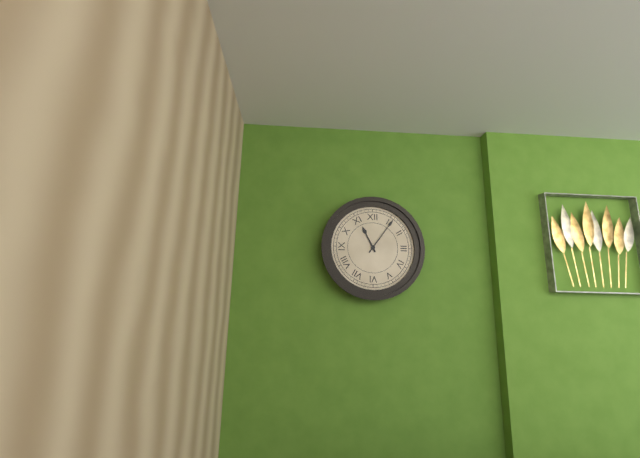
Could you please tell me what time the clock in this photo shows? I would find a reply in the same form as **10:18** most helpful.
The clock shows **11:06**
